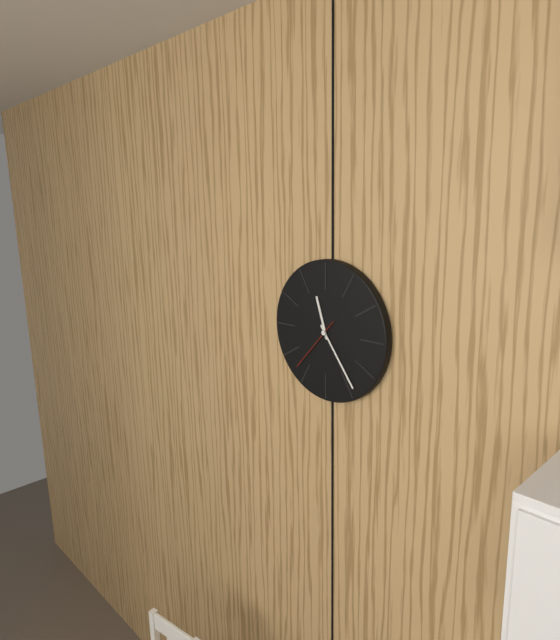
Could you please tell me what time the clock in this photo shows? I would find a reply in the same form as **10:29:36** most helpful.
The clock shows **11:24:37**
